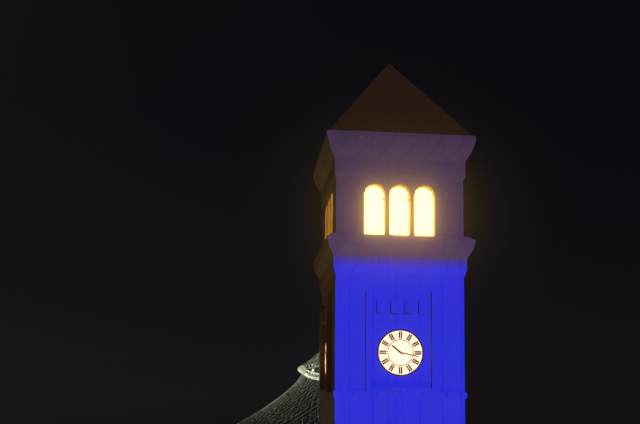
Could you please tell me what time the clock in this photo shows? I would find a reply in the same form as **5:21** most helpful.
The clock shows **10:17**
